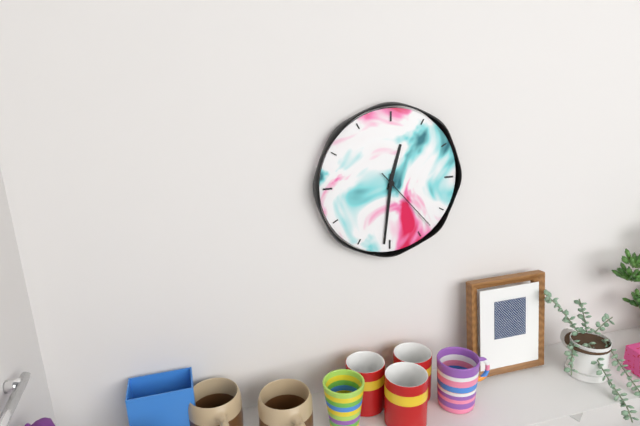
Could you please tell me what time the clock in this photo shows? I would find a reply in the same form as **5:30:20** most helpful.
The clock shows **12:31:23**
